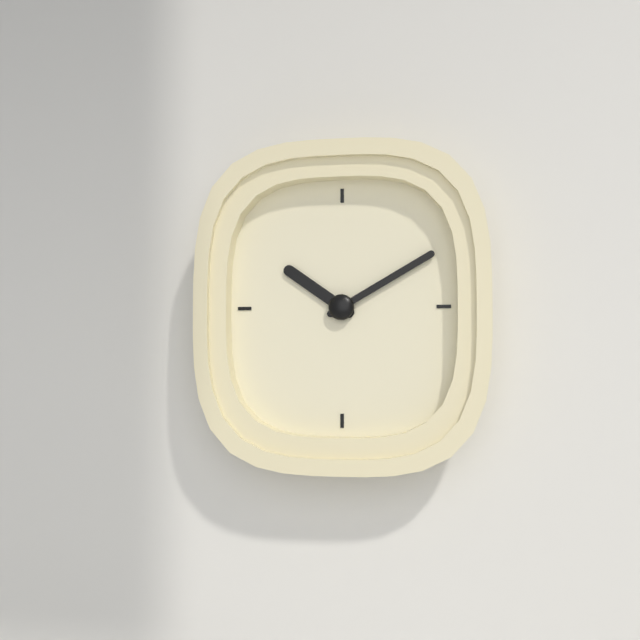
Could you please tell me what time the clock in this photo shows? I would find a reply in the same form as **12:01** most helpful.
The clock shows **10:10**
